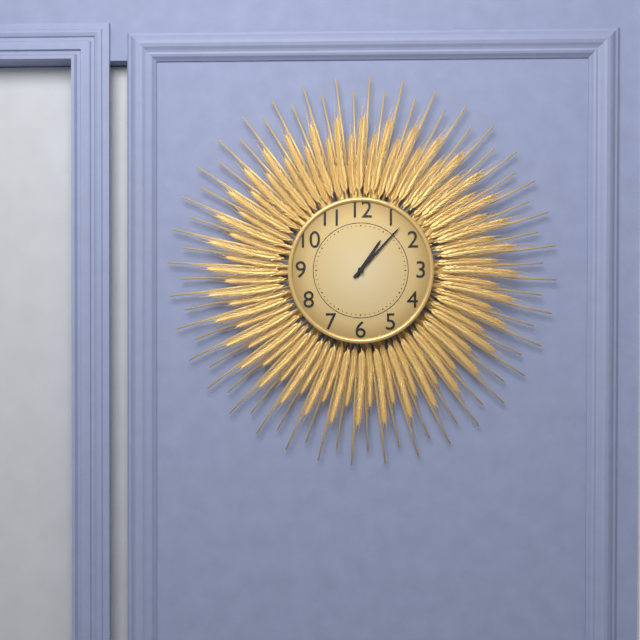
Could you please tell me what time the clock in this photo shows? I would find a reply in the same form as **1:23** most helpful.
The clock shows **1:07**
